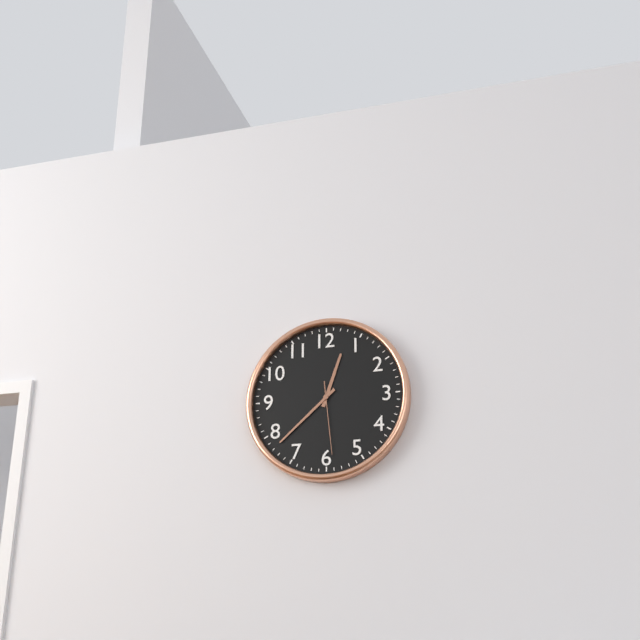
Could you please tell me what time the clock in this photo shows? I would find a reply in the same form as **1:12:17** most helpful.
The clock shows **12:38:29**
